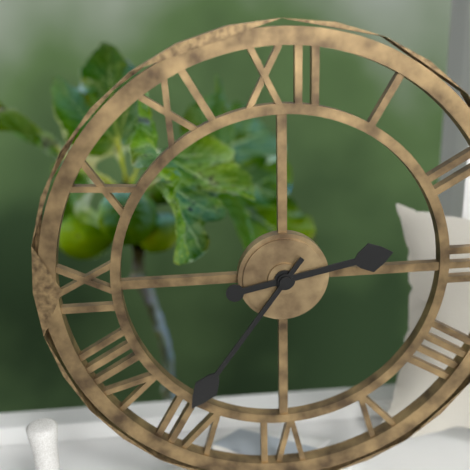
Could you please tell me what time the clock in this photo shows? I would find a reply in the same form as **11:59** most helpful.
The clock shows **2:36**
